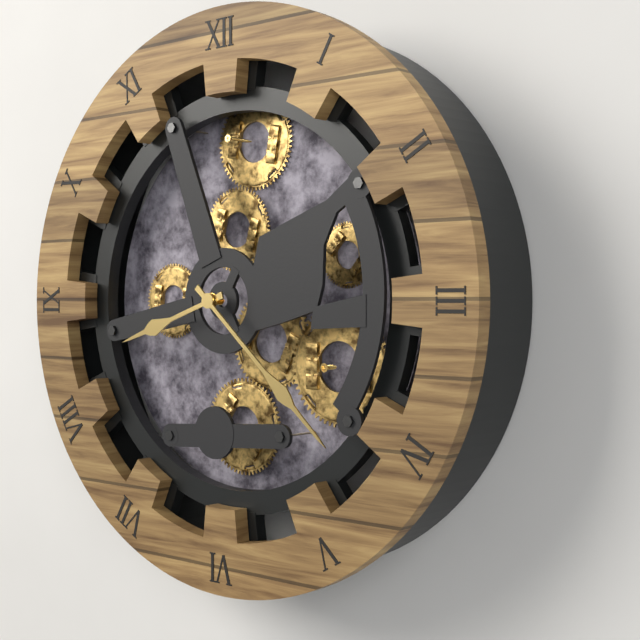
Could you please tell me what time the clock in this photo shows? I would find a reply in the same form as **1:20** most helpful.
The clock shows **8:22**
